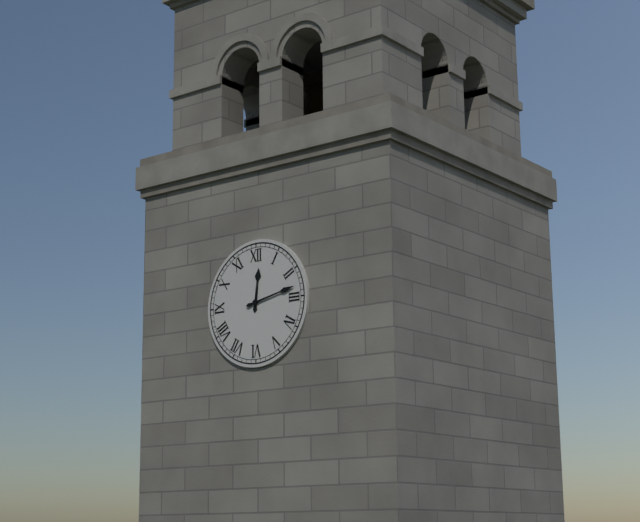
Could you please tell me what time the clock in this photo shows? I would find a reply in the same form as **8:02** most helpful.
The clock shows **12:13**
